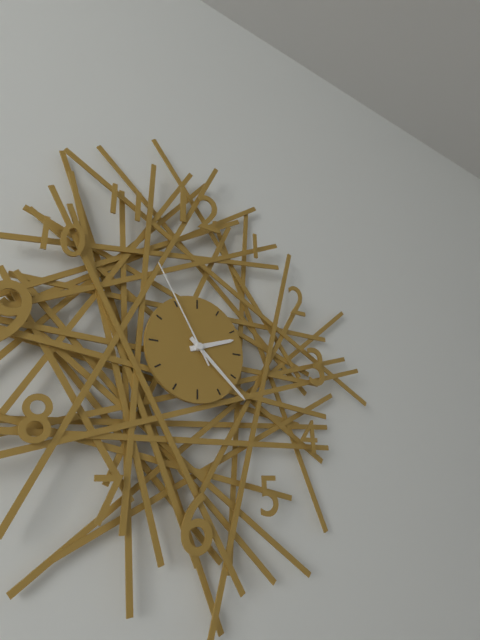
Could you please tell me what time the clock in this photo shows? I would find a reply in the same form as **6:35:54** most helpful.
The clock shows **2:22:55**
